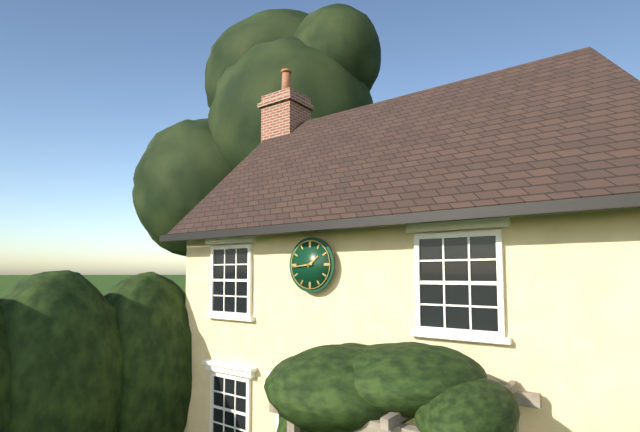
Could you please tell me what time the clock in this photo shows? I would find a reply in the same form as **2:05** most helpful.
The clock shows **1:44**
